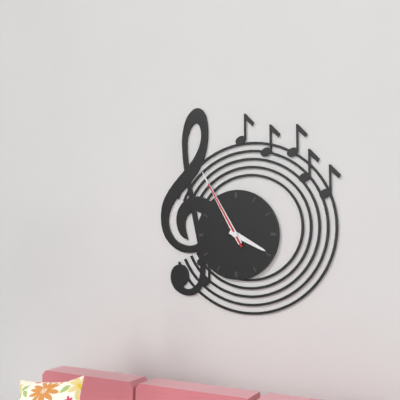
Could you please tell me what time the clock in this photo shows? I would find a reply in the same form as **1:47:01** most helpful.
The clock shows **3:55:55**
